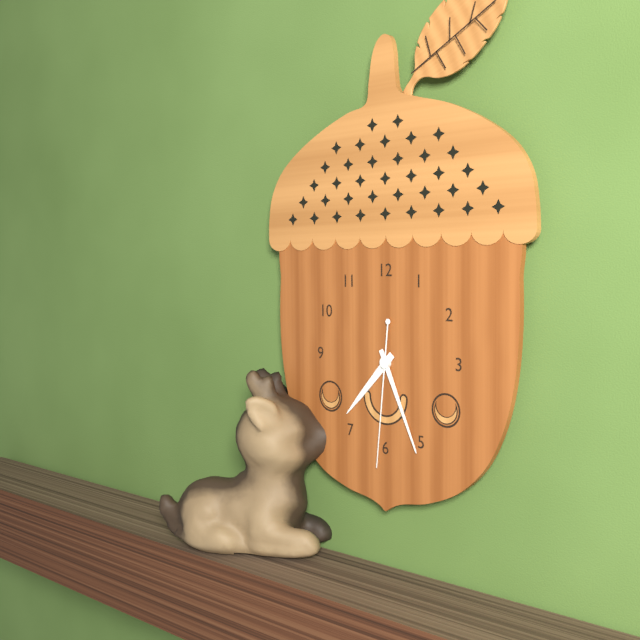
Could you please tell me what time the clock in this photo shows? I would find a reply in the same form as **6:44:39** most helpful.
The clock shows **7:26:31**
